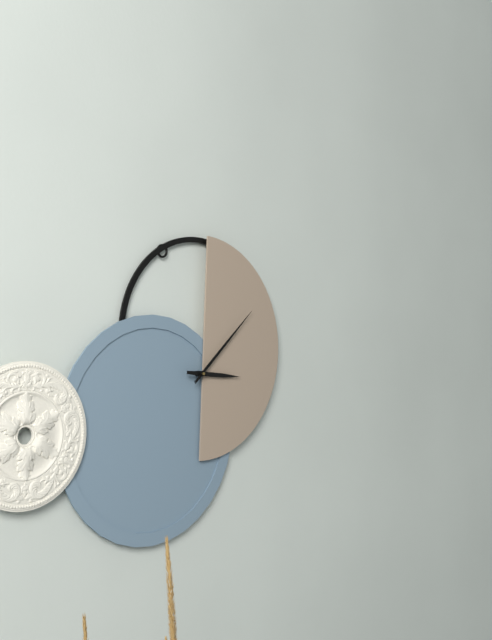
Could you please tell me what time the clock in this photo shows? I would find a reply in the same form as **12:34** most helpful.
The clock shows **3:08**
